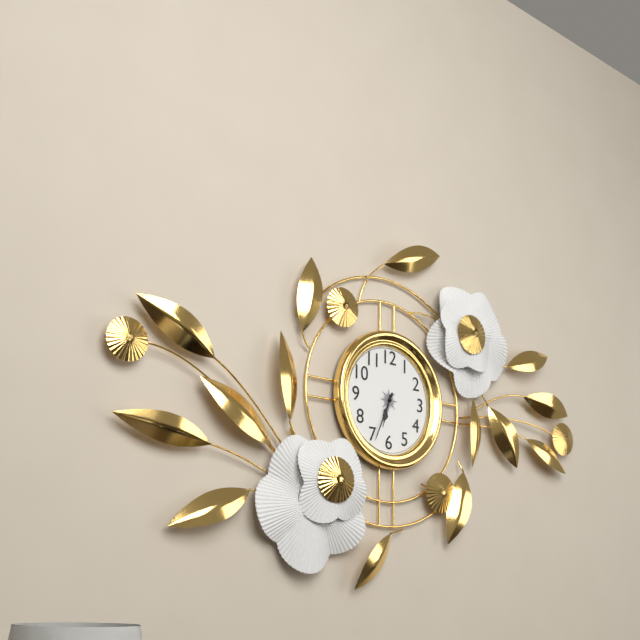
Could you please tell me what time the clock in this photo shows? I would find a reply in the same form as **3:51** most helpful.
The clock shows **6:34**
